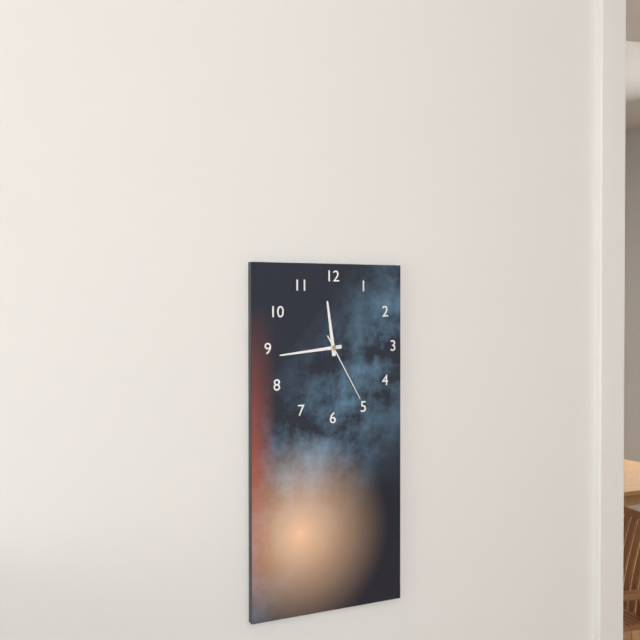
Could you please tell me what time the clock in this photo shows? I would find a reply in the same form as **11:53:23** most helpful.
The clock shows **11:44:25**
